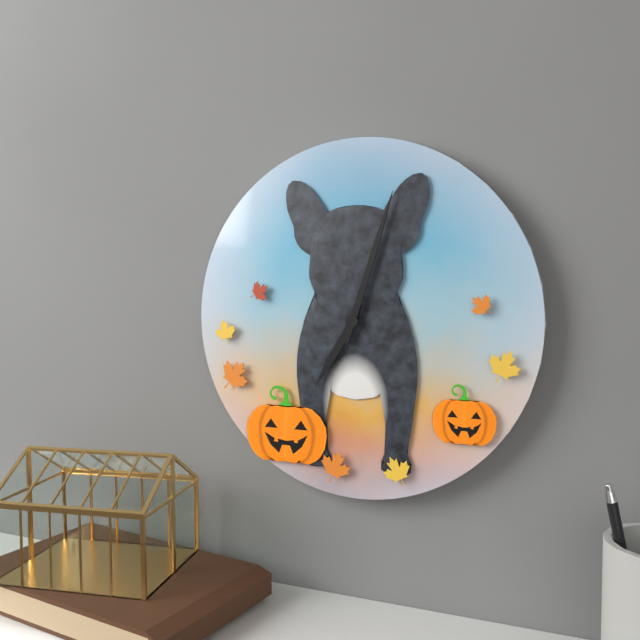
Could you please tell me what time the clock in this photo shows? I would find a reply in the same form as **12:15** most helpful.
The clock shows **7:03**
